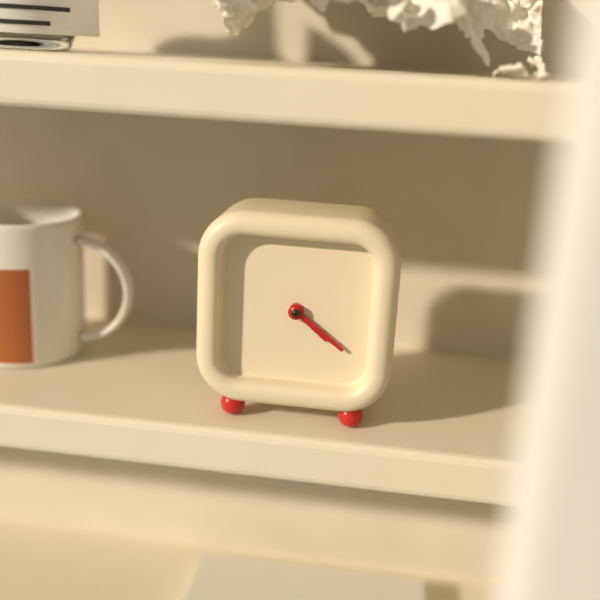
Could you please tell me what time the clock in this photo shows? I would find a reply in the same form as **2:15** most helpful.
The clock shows **4:21**
